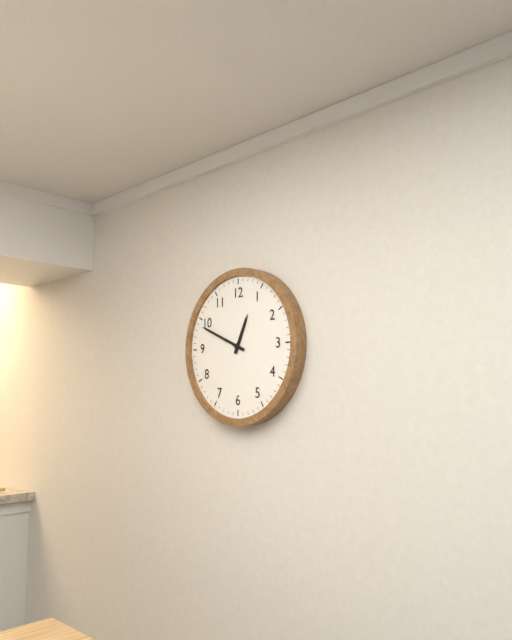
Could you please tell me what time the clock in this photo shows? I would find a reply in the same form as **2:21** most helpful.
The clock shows **12:49**
